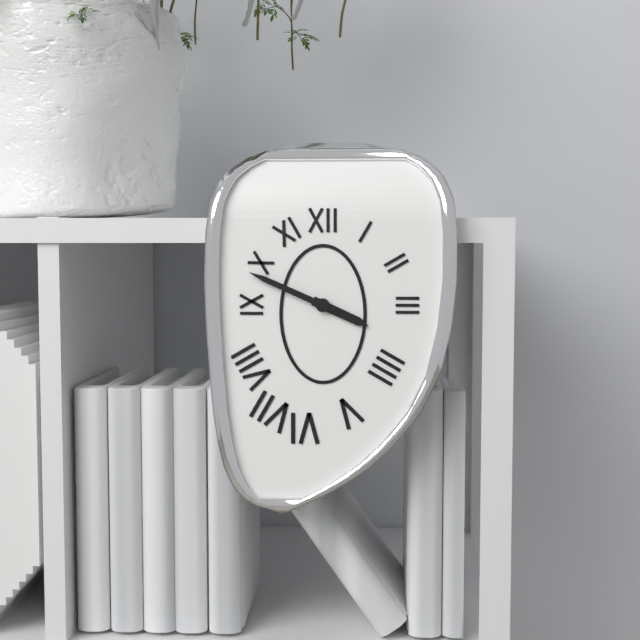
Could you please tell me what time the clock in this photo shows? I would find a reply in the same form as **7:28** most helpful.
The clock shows **3:49**
